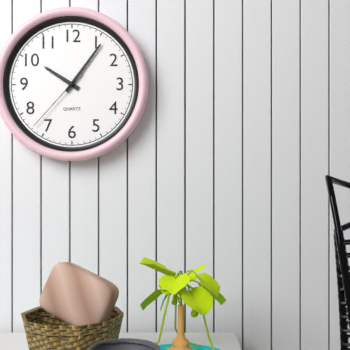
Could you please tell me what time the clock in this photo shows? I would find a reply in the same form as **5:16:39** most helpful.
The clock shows **10:06:37**
